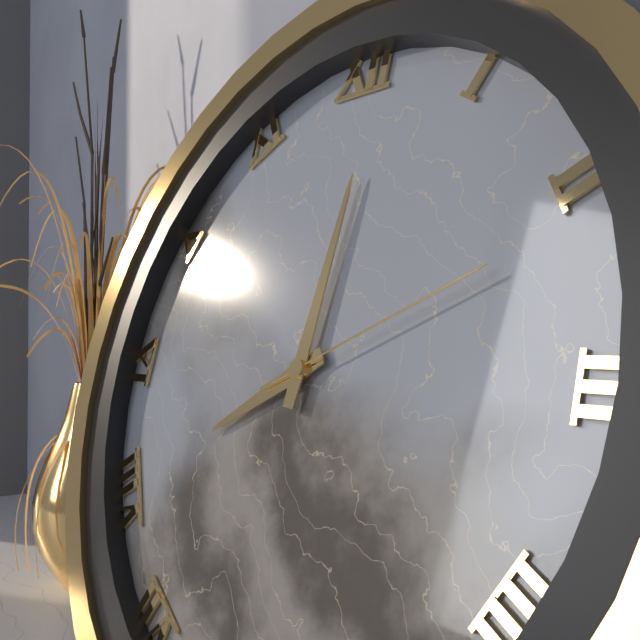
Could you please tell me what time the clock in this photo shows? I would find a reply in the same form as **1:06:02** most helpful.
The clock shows **8:01:11**
